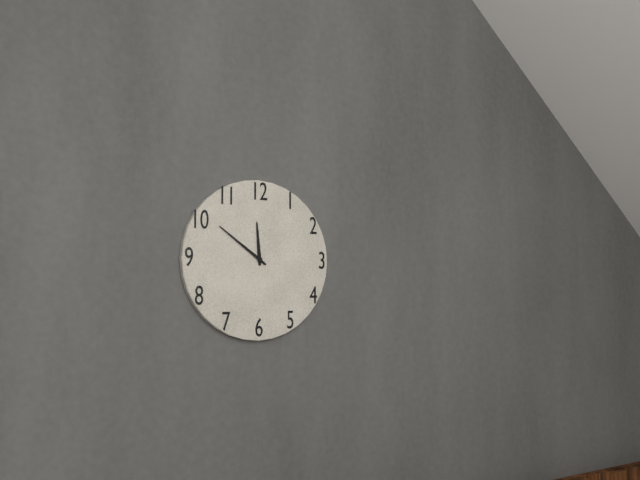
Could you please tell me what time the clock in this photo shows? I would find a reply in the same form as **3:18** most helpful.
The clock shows **11:51**
